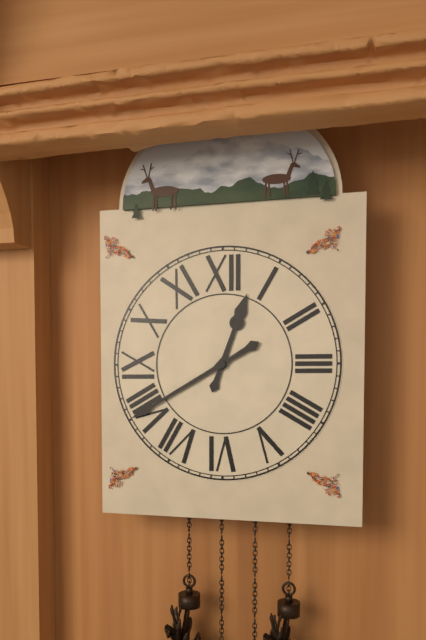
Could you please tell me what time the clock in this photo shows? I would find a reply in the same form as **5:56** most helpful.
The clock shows **12:40**
